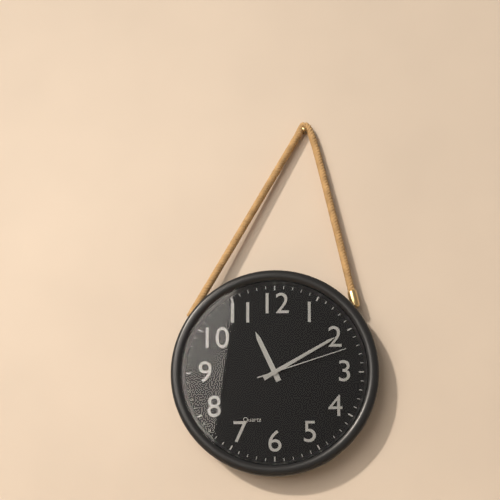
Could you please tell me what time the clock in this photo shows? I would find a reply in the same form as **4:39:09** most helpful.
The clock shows **11:10:12**
